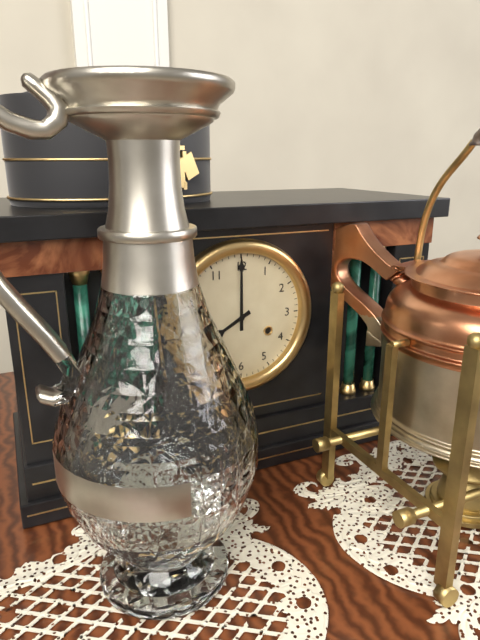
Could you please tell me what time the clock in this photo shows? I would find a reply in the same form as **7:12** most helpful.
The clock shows **8:00**
